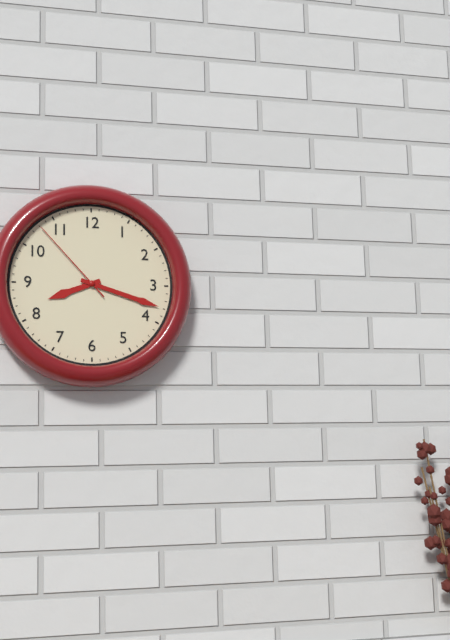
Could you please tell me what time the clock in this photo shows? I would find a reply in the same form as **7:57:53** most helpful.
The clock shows **8:18:53**
